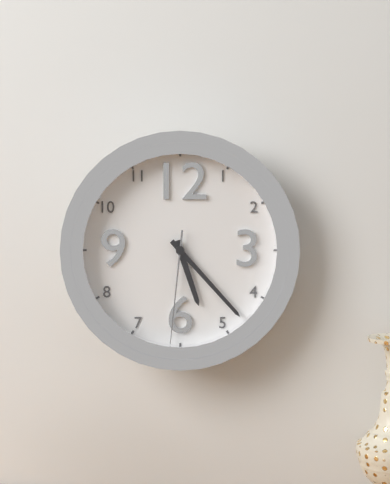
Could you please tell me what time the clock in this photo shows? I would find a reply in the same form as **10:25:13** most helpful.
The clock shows **5:23:31**
